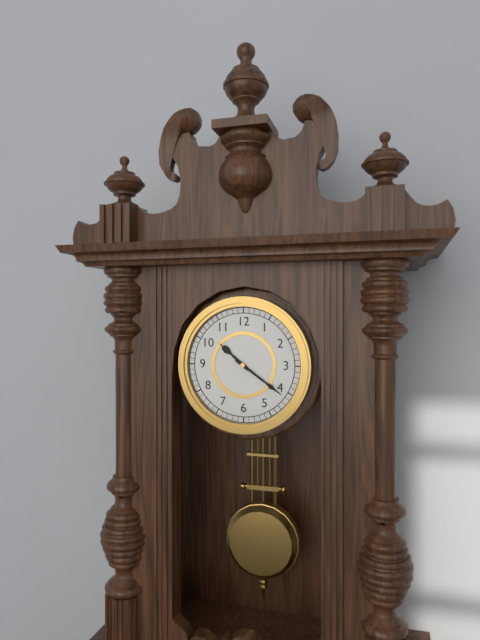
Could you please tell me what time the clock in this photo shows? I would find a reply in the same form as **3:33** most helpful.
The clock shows **10:21**
